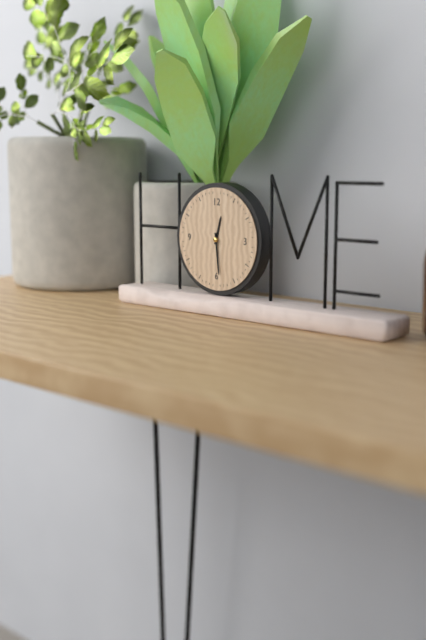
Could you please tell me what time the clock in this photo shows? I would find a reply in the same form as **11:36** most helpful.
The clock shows **12:29**
